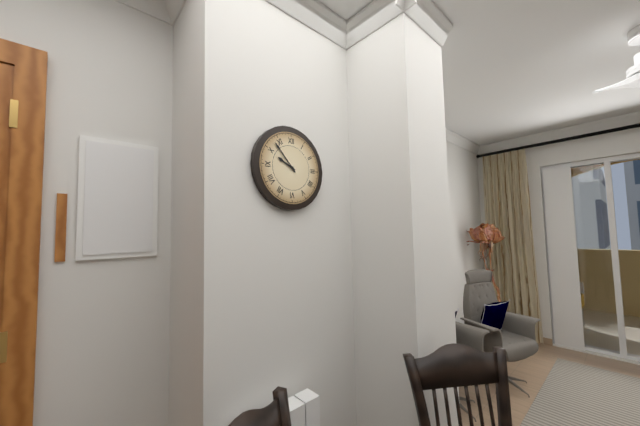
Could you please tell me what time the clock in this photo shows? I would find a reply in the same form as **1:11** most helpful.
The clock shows **9:53**
